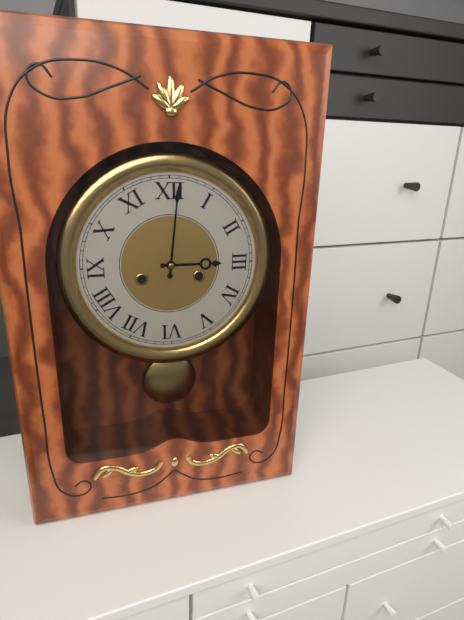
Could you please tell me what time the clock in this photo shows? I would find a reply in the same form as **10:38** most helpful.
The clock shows **3:01**
